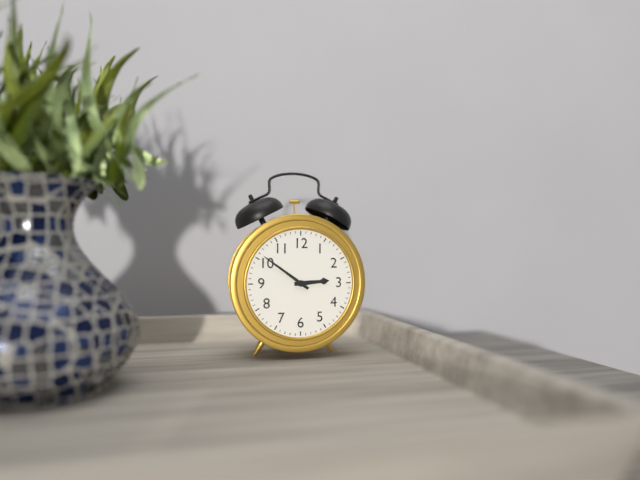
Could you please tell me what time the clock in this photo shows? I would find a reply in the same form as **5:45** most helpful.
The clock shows **2:51**
